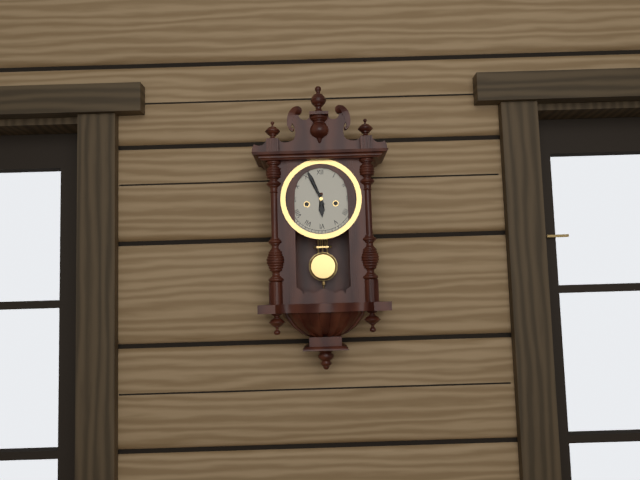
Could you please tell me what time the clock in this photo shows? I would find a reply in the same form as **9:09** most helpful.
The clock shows **5:56**
